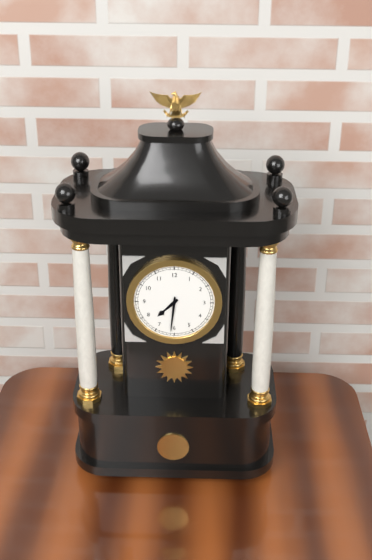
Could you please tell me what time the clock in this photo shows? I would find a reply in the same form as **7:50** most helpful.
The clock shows **7:31**
